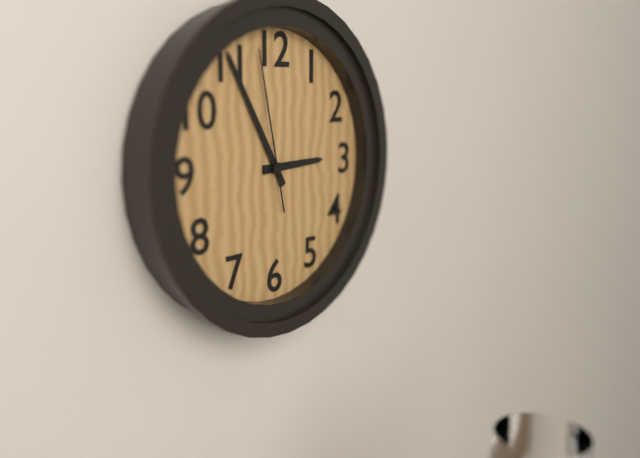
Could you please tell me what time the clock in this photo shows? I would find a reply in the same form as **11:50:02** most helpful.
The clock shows **2:55:58**
